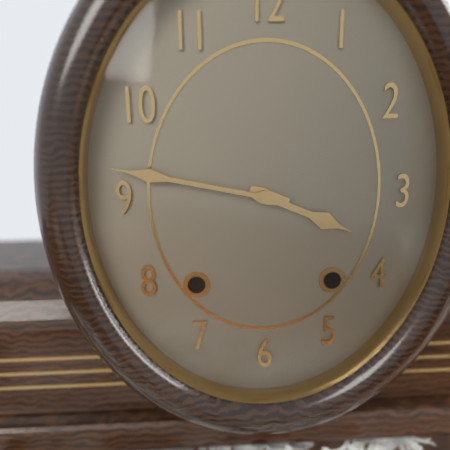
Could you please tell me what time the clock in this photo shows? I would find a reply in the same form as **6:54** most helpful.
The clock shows **3:47**
